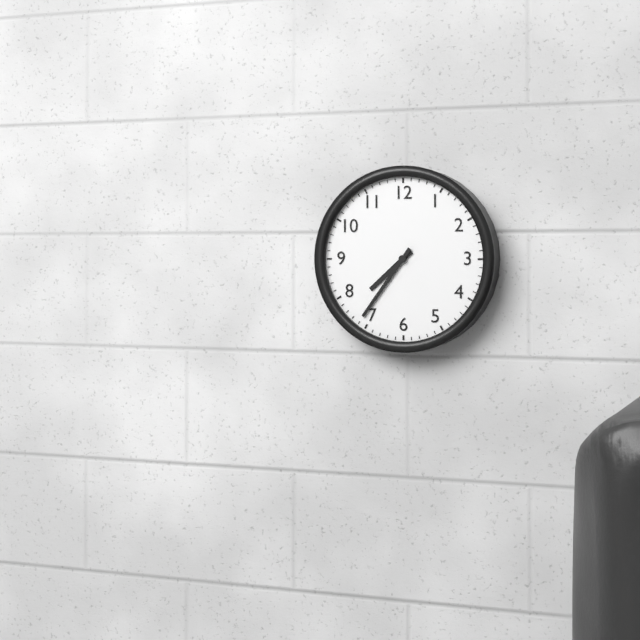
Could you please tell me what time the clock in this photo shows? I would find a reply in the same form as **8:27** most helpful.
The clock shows **7:36**
